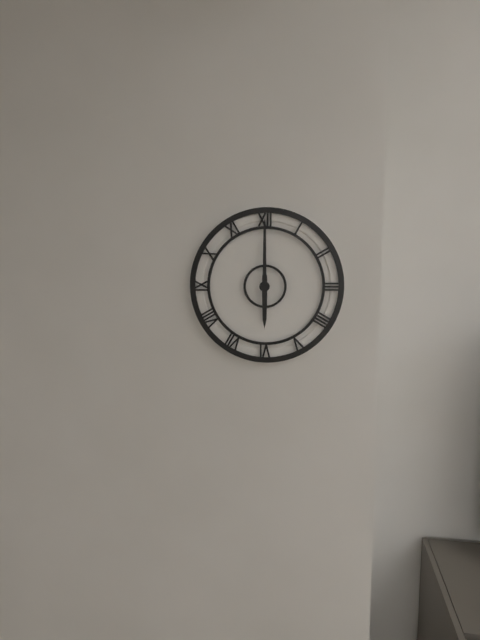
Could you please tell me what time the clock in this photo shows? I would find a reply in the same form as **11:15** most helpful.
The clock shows **6:00**
